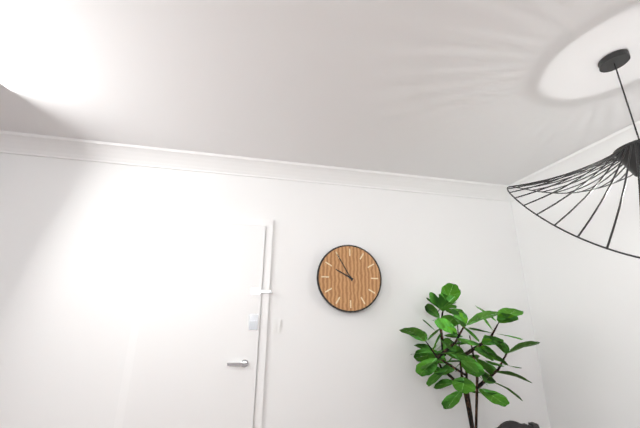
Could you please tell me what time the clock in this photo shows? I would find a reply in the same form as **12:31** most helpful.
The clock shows **9:55**
